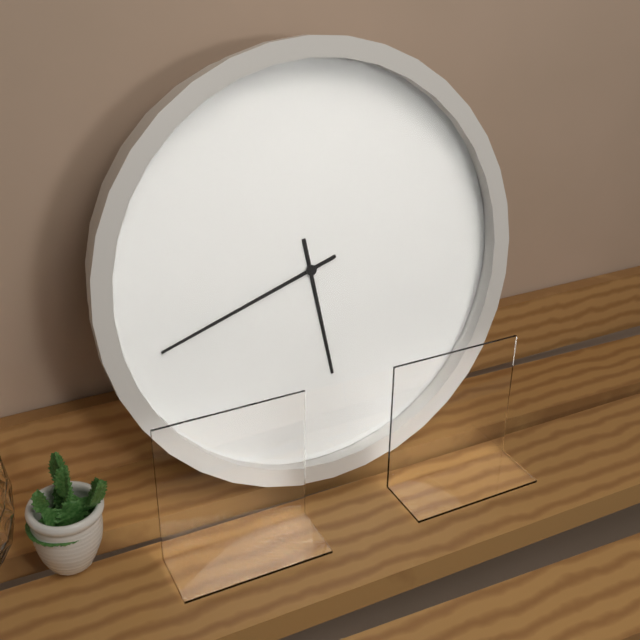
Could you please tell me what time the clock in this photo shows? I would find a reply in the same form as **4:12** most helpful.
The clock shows **5:42**
